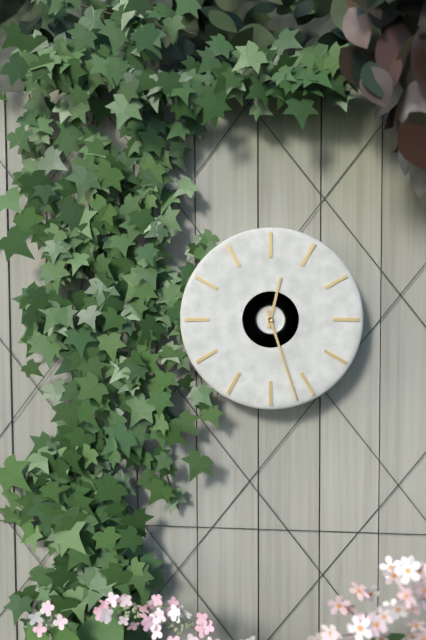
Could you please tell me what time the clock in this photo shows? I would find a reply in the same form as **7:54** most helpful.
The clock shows **12:27**
